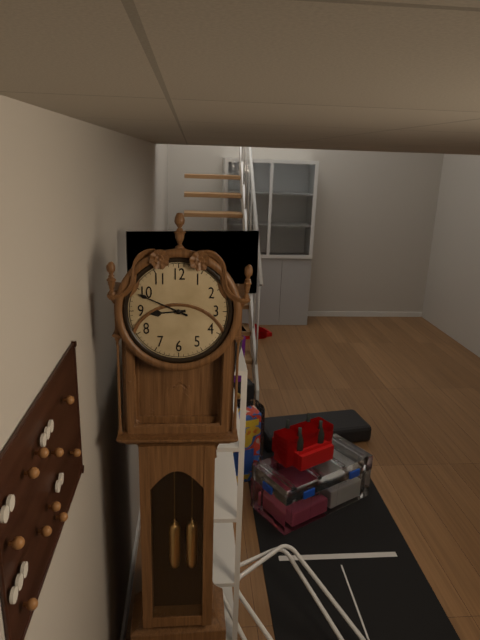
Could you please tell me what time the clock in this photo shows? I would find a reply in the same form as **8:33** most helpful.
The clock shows **8:49**
